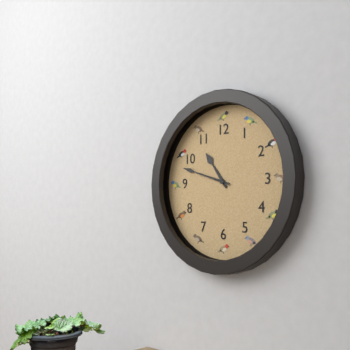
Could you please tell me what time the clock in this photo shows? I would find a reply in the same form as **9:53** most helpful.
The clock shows **10:48**
